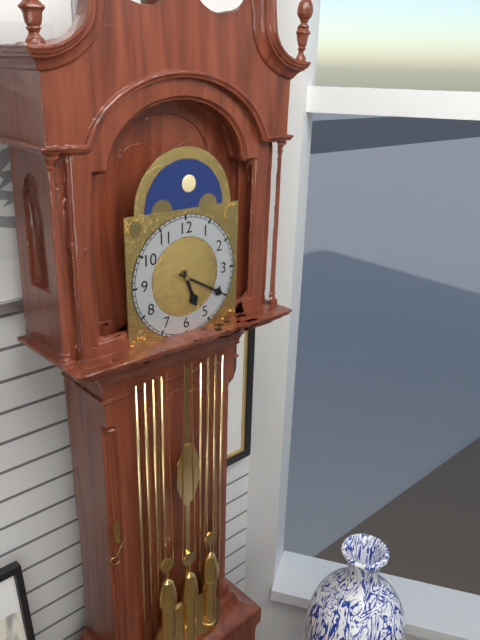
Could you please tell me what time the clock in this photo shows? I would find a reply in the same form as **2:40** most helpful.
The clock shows **5:20**
